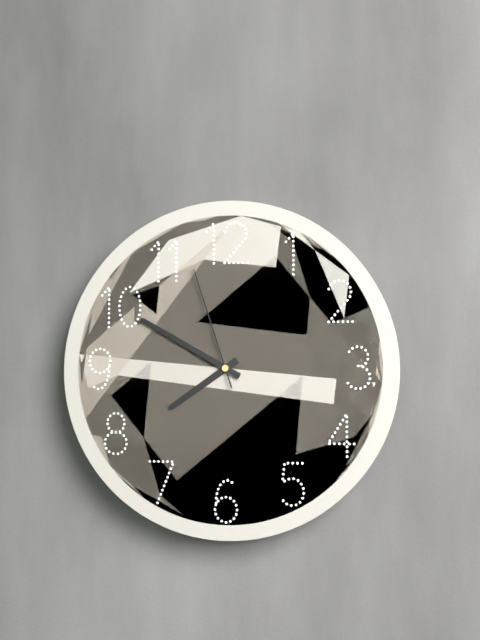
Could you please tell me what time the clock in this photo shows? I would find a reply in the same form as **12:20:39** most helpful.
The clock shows **7:50:57**
